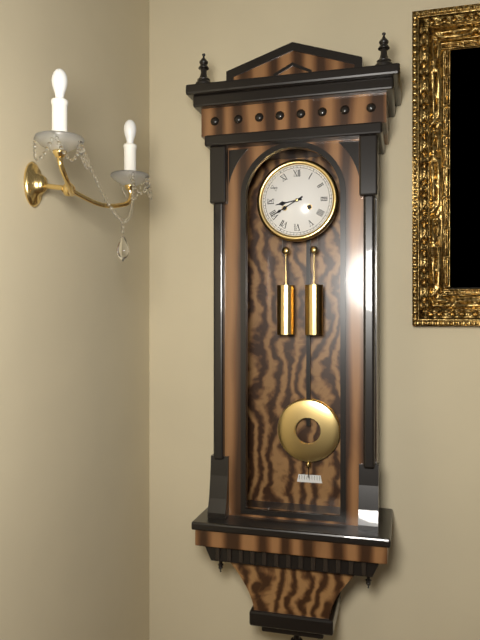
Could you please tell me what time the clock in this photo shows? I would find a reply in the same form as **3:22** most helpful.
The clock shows **8:40**
